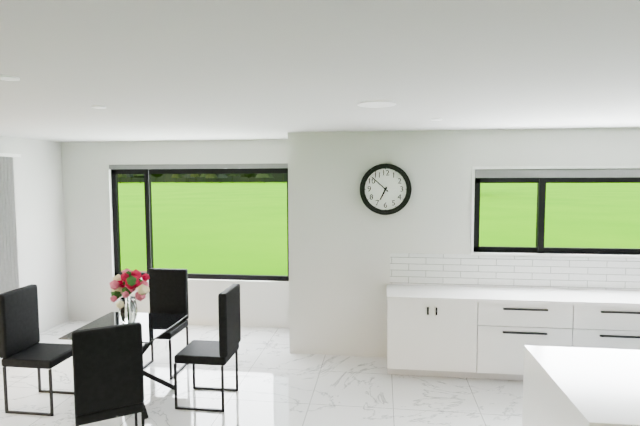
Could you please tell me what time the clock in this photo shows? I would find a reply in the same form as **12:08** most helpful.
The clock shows **6:52**
